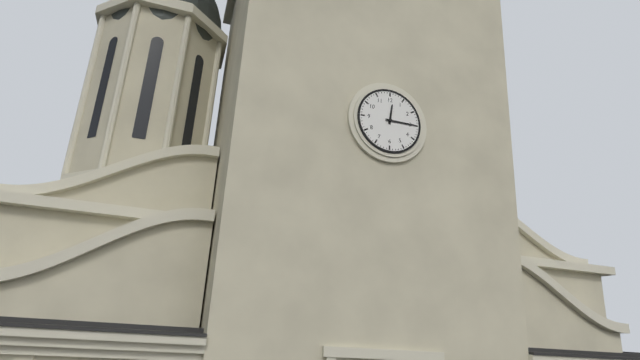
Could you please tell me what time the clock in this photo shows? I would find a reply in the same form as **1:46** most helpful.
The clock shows **12:15**
